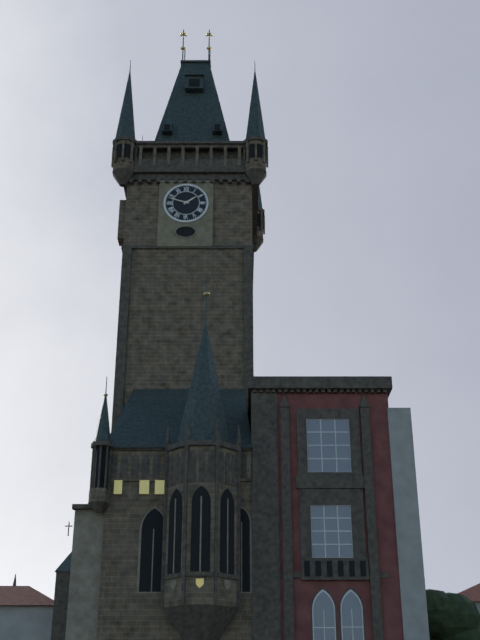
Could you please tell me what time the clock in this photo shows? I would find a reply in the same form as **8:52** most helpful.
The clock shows **1:48**
